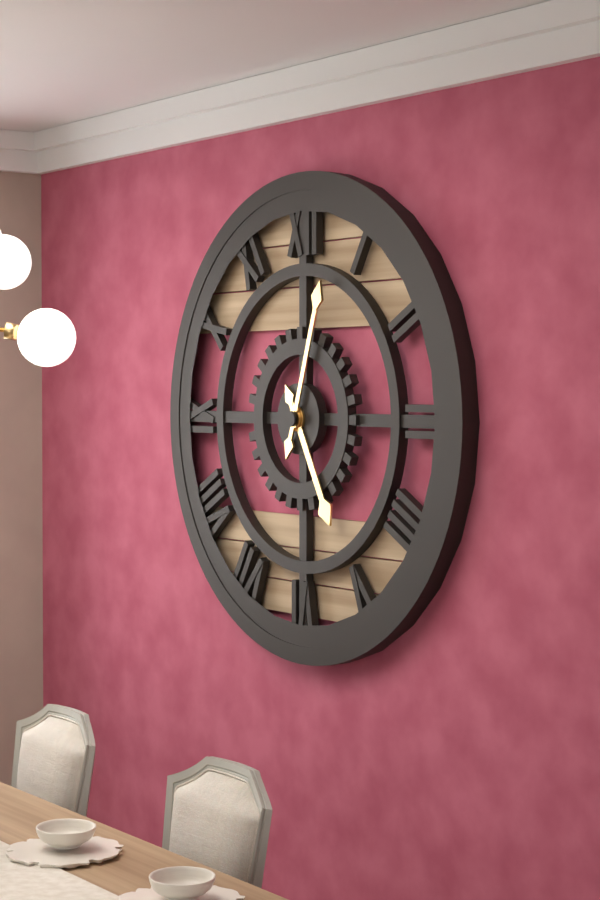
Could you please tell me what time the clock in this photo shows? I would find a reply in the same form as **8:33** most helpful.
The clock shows **5:03**
